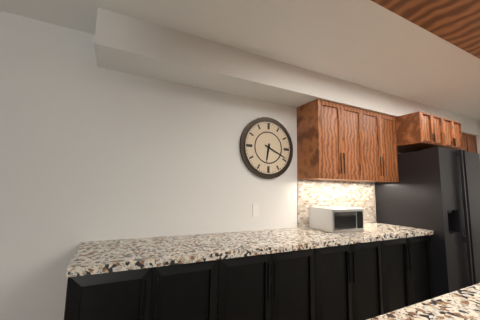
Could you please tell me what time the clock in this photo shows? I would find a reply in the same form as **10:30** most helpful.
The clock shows **6:19**
